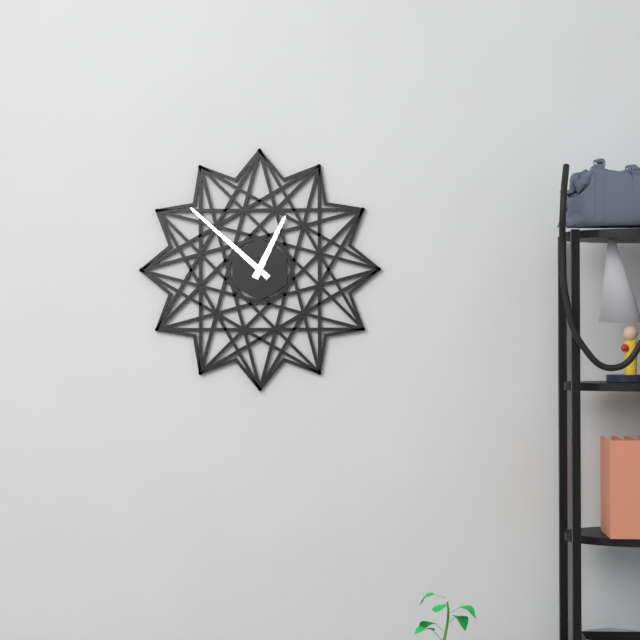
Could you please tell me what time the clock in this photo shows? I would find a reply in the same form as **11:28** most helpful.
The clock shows **12:52**
